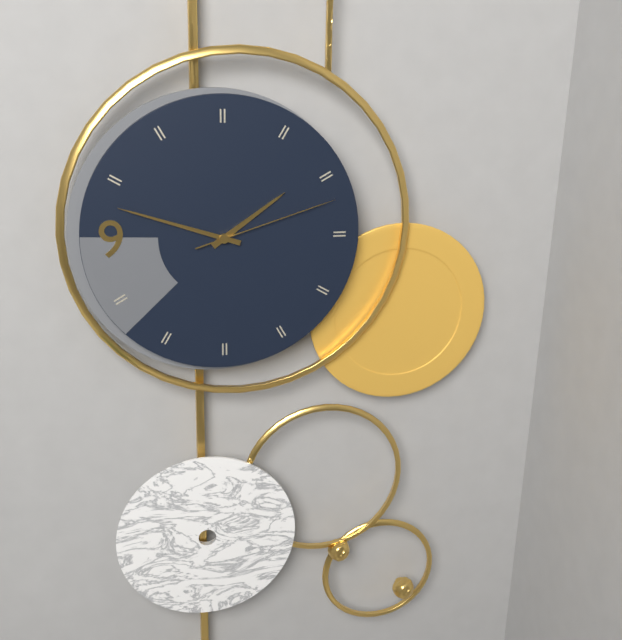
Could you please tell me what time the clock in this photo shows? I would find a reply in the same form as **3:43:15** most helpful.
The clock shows **1:48:12**
